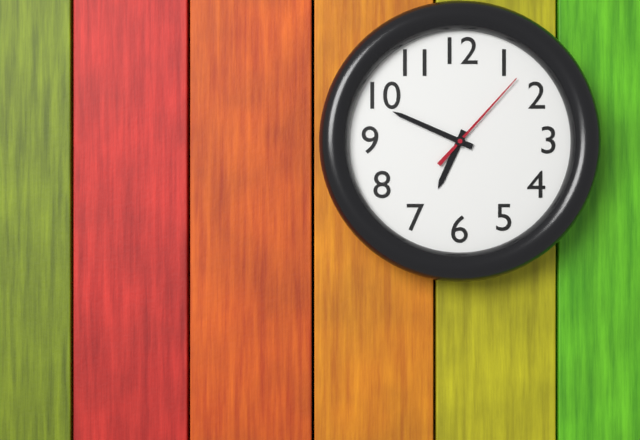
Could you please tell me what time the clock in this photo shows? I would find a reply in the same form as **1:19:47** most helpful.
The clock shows **6:49:07**
